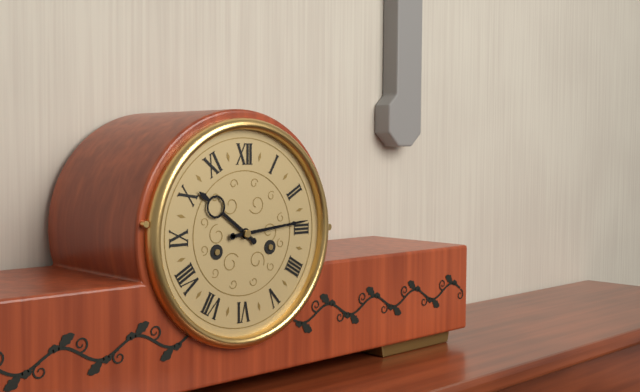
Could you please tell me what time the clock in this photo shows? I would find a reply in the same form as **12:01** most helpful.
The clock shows **10:14**
